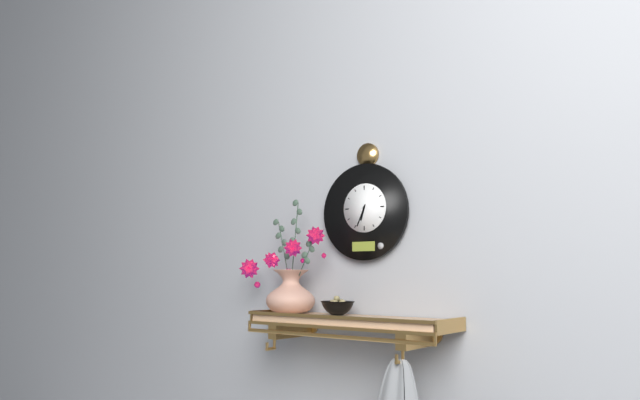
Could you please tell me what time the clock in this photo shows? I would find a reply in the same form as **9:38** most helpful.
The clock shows **6:34**
